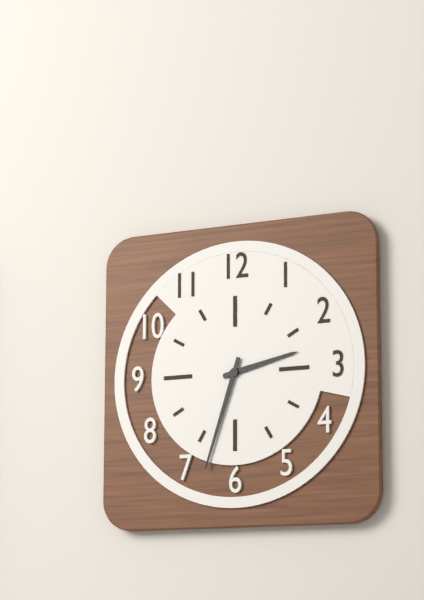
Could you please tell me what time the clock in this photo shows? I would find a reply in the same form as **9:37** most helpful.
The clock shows **2:33**
